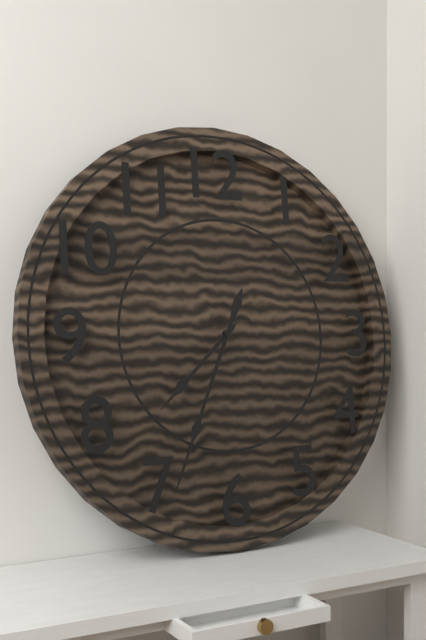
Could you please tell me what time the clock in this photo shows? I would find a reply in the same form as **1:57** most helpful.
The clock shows **7:34**
